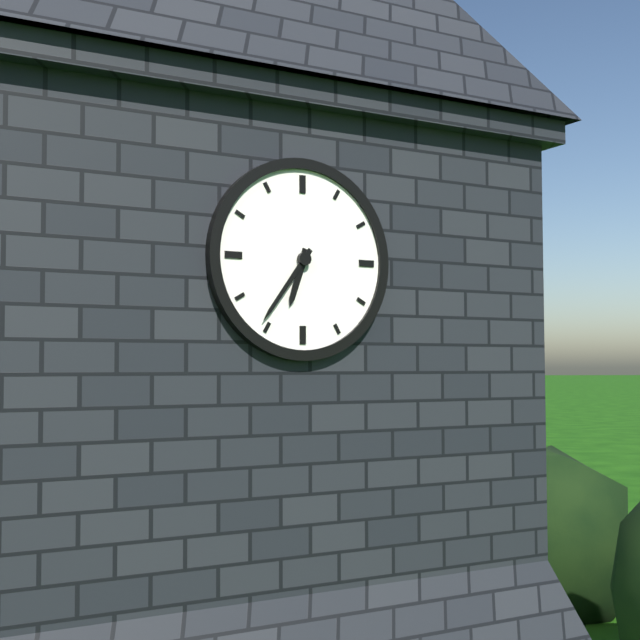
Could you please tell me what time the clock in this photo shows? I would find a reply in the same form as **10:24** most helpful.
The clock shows **6:36**
